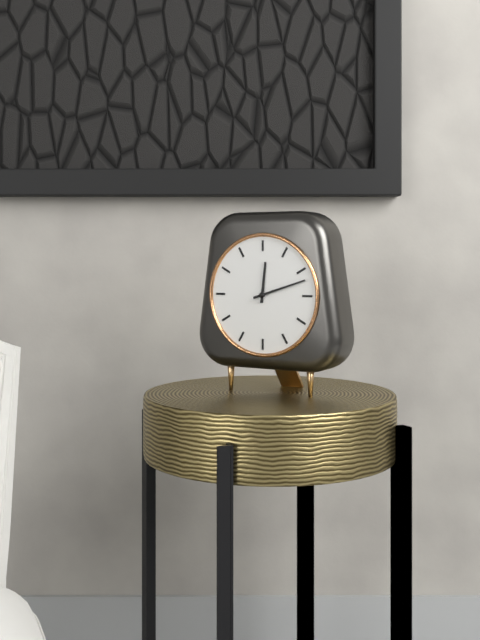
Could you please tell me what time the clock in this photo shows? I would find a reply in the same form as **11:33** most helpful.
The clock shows **12:12**
